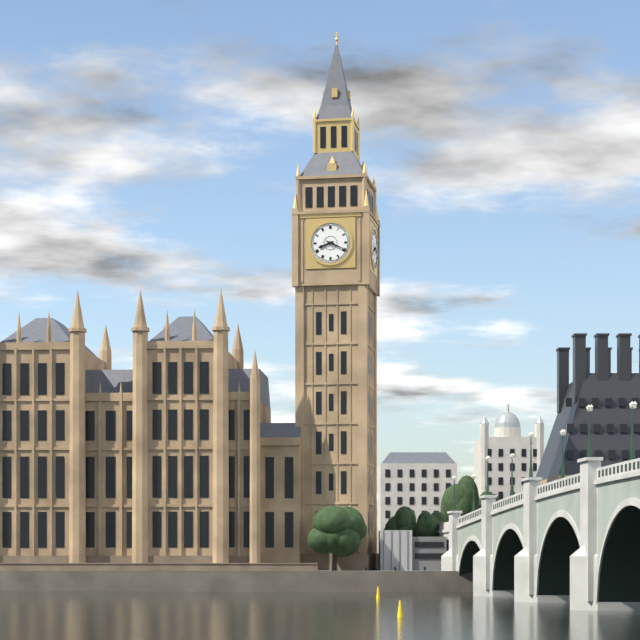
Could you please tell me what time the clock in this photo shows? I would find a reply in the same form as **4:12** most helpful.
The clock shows **8:19**
